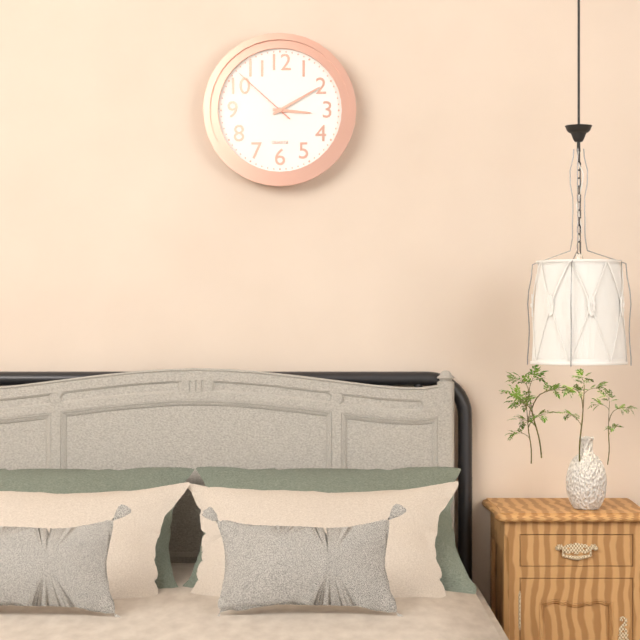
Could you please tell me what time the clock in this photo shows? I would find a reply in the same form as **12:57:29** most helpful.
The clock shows **3:10:52**
